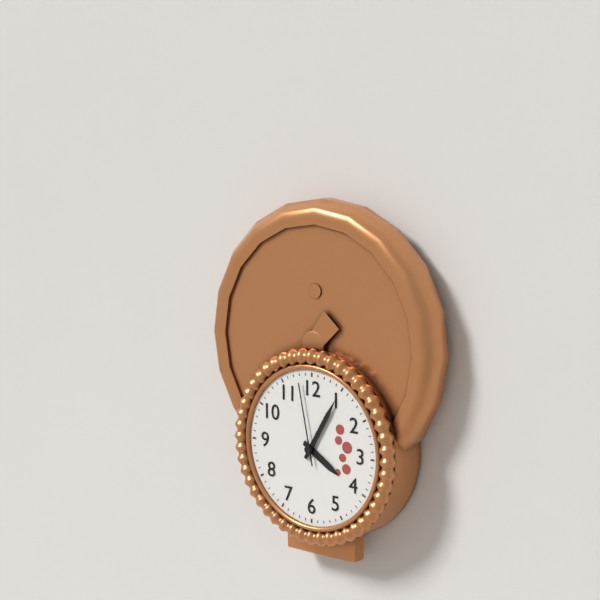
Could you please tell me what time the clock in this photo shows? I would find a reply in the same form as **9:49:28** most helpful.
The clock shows **4:05:58**
